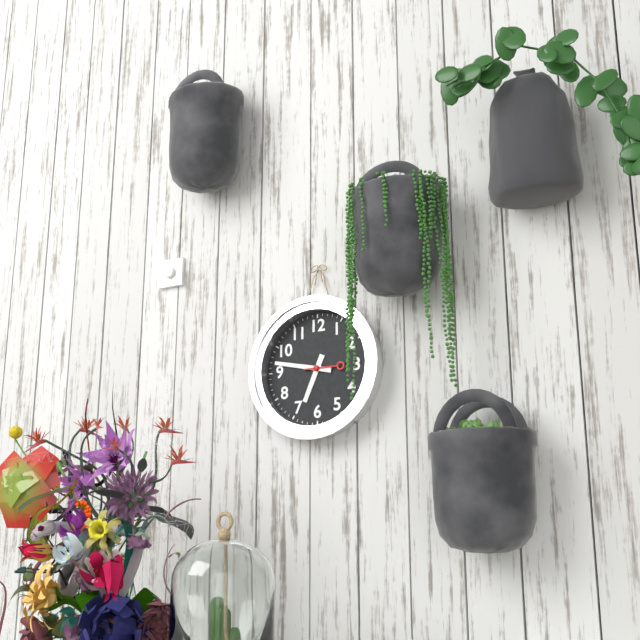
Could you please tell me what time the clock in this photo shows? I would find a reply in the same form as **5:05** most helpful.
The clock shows **6:47**
